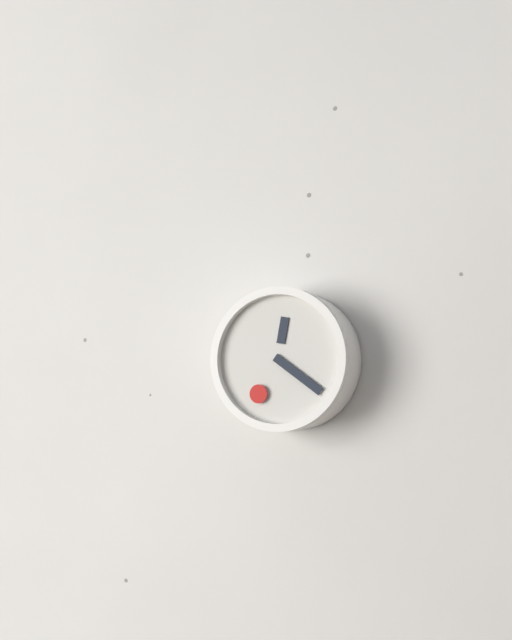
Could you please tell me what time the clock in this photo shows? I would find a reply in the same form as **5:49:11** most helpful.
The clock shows **12:21:35**
